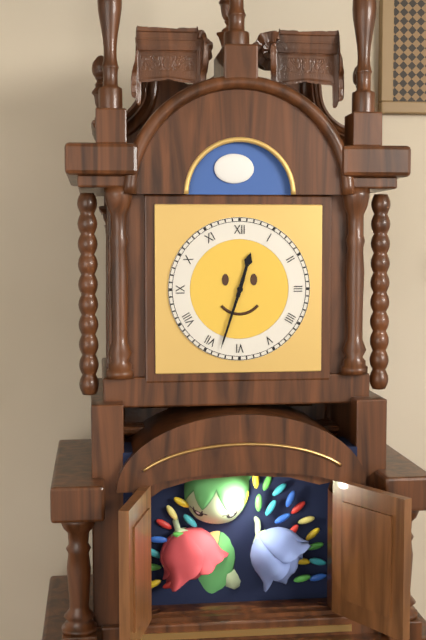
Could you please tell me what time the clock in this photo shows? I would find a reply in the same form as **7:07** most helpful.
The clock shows **12:33**
